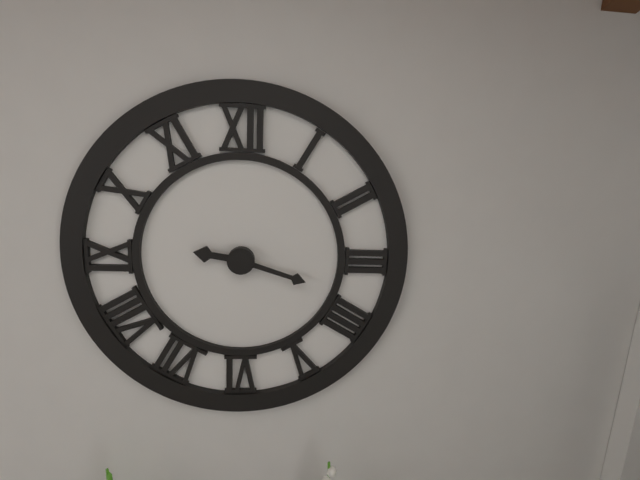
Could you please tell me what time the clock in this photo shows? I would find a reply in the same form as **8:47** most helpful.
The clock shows **9:18**
